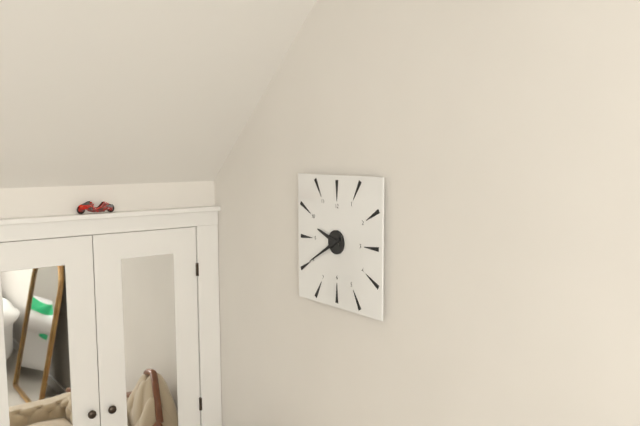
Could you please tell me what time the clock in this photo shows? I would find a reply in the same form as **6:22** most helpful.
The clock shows **9:40**
